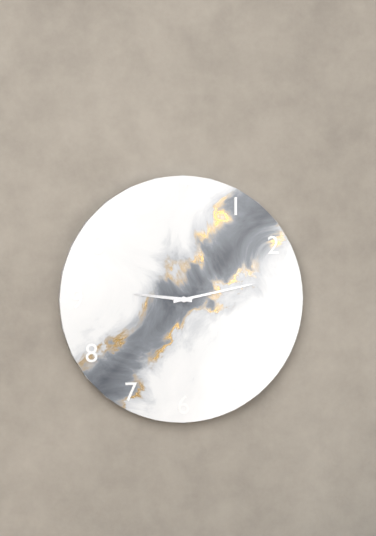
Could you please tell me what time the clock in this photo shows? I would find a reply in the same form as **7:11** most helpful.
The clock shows **9:13**
